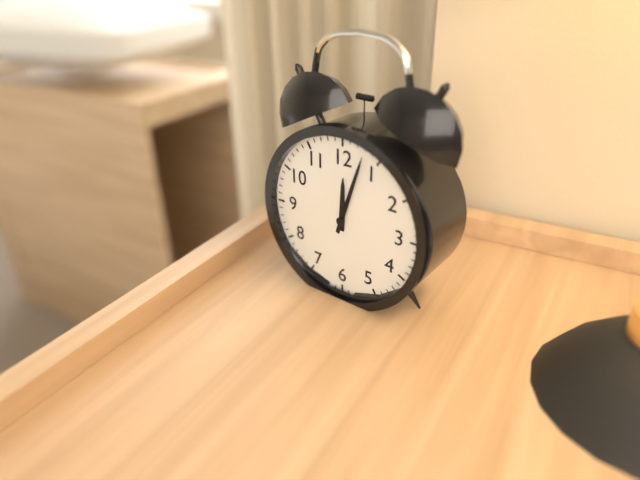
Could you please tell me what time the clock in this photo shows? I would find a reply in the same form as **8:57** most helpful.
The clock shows **12:03**
